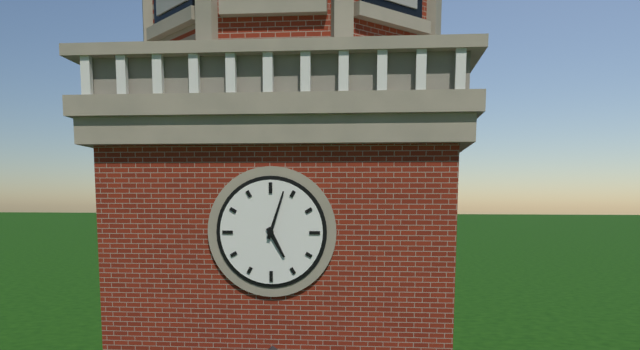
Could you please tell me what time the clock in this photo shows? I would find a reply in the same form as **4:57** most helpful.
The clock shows **5:03**
